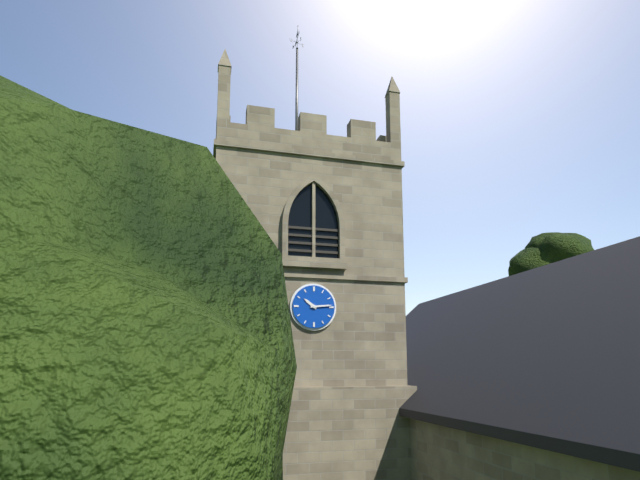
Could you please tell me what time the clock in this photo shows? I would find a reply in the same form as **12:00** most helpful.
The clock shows **10:14**
